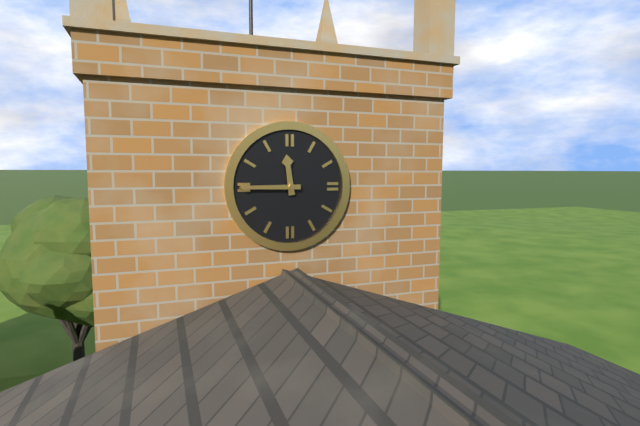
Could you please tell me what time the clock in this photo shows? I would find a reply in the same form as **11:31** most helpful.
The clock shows **11:45**
